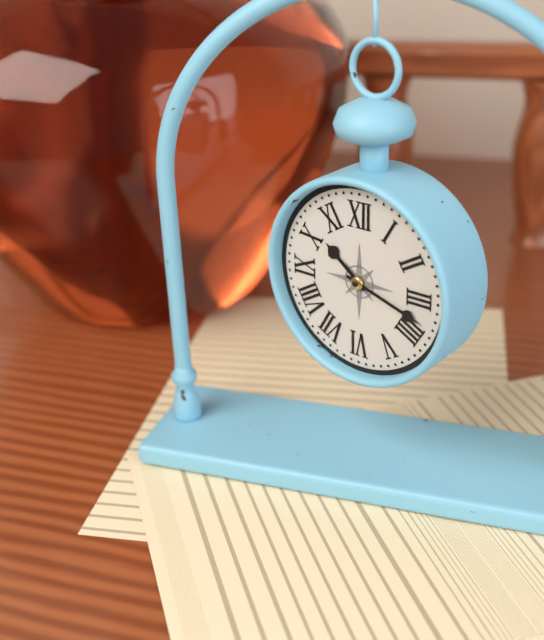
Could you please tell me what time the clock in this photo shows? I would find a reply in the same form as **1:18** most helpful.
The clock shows **10:18**
